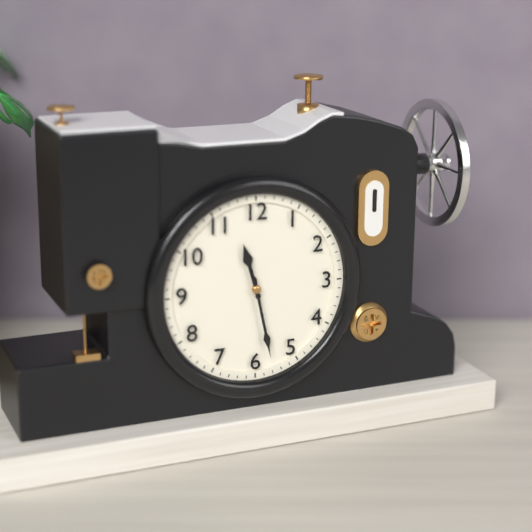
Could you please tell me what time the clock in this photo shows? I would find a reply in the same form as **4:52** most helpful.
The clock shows **11:28**
